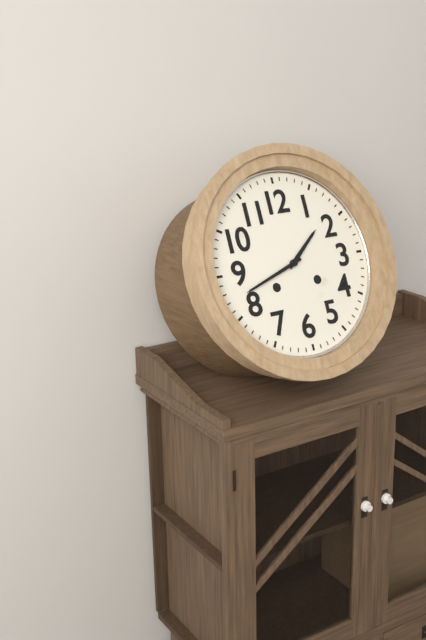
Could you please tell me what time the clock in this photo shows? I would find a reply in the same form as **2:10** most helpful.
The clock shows **1:42**
